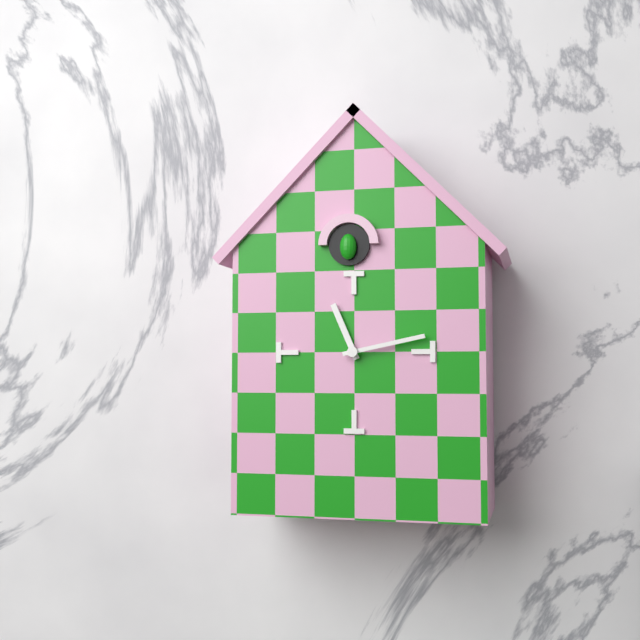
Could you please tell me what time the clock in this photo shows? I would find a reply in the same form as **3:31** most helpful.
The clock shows **11:13**
